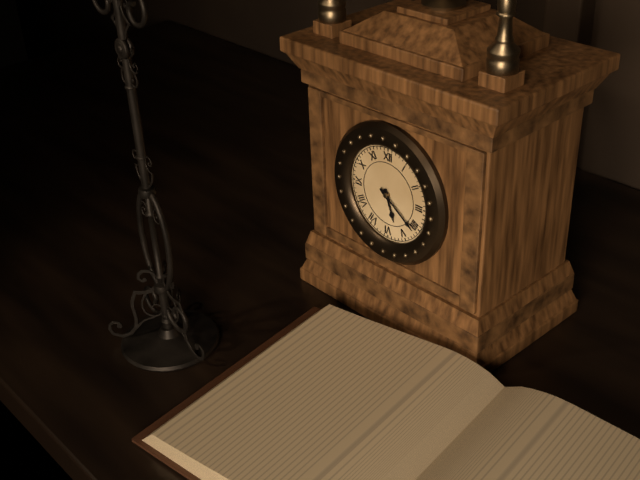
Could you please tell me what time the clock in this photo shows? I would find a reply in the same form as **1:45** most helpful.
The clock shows **5:21**
